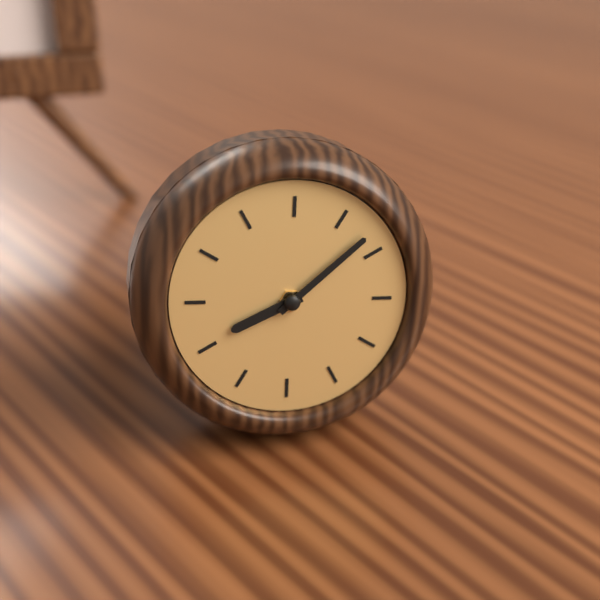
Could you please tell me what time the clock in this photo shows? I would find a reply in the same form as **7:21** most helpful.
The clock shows **8:08**
